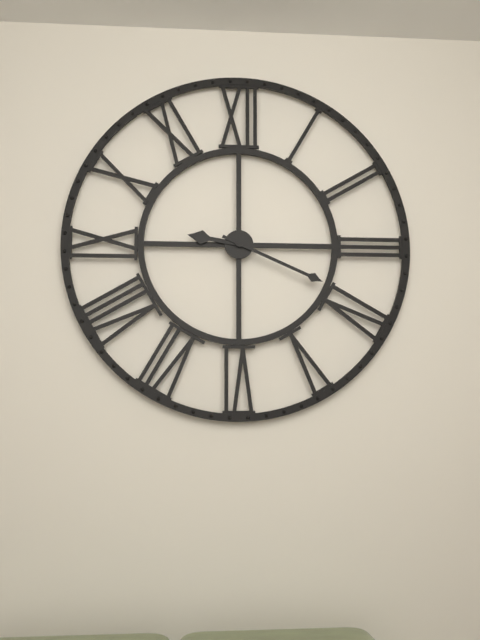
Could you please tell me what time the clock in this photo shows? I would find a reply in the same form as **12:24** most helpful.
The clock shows **9:19**
